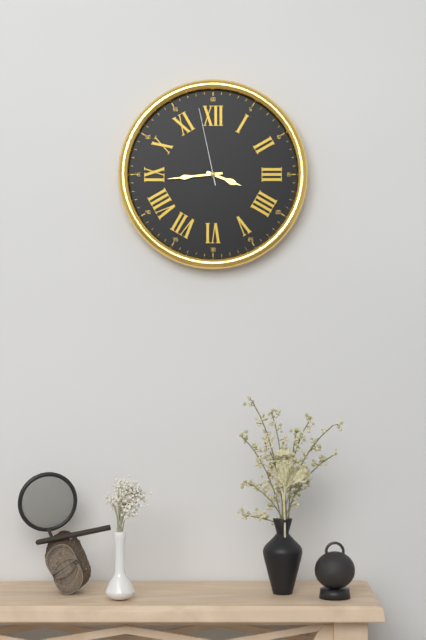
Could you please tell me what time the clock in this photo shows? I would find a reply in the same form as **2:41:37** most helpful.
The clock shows **3:44:58**
